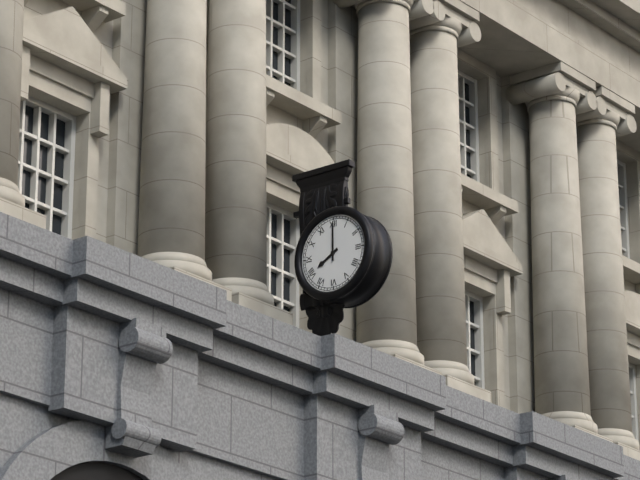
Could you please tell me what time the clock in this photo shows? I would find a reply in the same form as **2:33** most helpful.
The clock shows **8:00**
